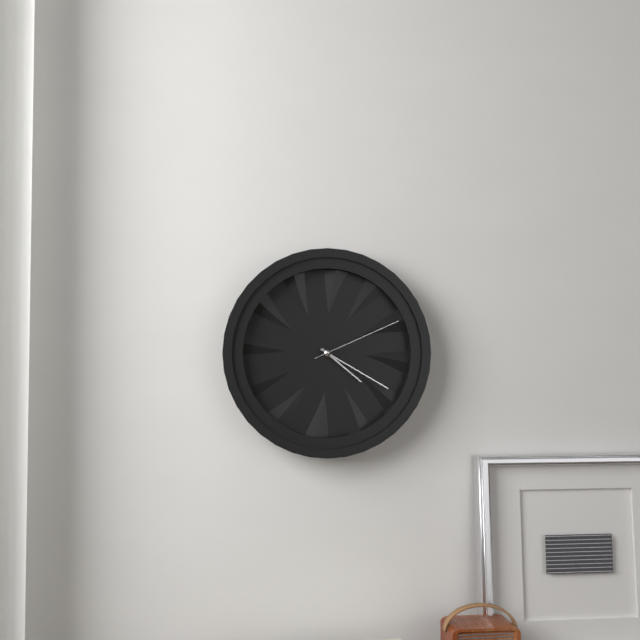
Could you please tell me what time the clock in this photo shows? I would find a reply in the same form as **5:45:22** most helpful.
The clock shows **4:20:11**
